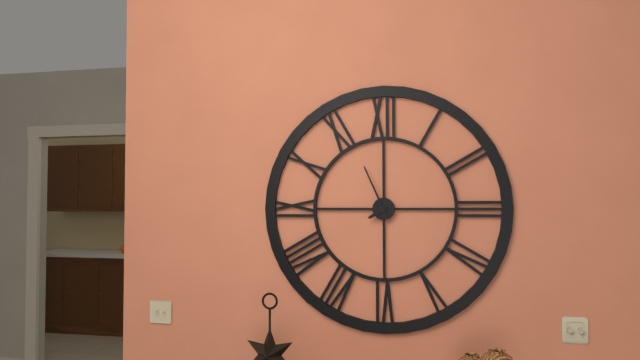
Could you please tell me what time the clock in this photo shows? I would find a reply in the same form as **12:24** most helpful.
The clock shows **7:56**
